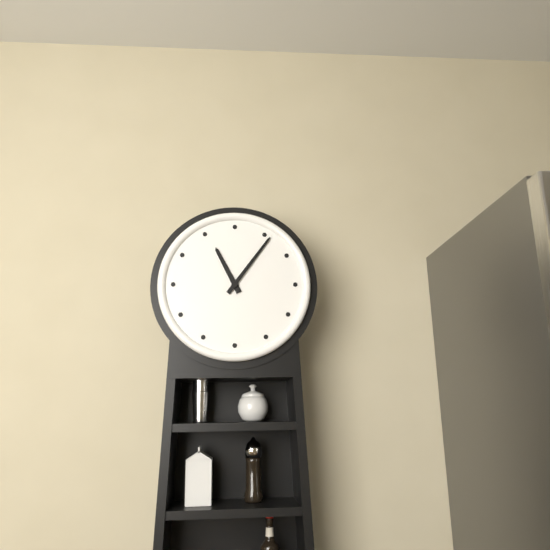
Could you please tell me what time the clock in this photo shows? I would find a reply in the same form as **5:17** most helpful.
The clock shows **11:06**
